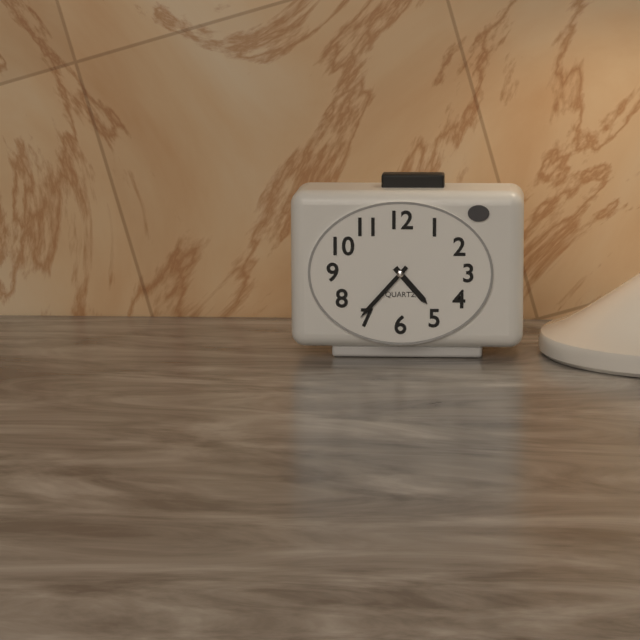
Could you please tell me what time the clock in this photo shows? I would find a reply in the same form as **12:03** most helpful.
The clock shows **4:37**
